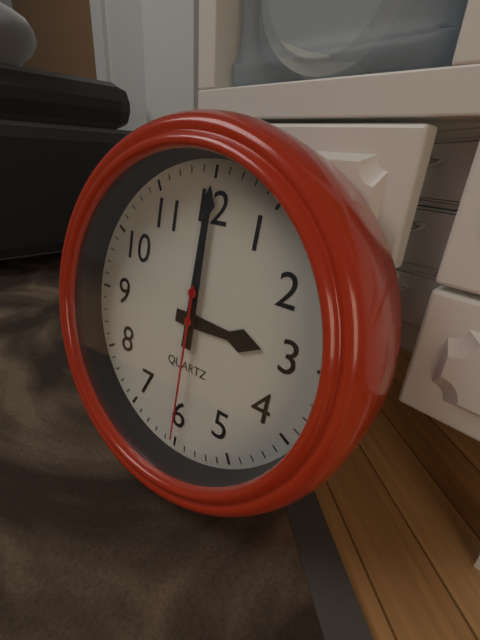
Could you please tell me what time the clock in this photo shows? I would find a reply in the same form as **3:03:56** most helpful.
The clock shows **3:00:30**
